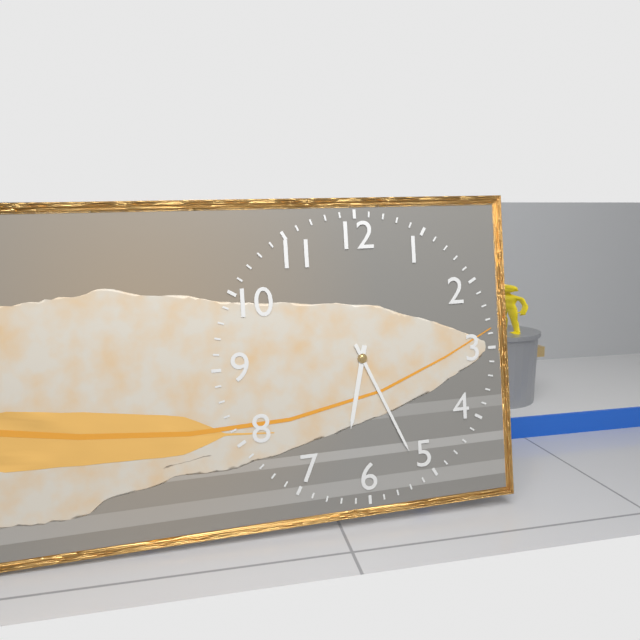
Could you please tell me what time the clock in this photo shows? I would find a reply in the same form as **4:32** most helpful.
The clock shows **6:26**
